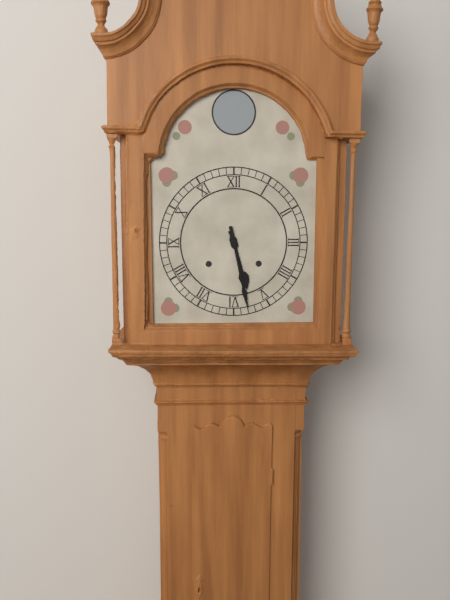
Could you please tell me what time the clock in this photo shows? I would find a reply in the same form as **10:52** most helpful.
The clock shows **5:28**
